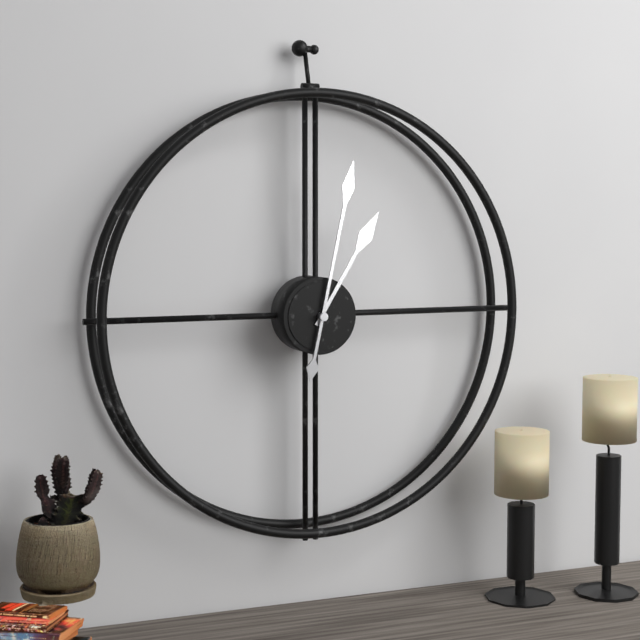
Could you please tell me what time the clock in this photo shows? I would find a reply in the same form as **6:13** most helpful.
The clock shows **1:02**
